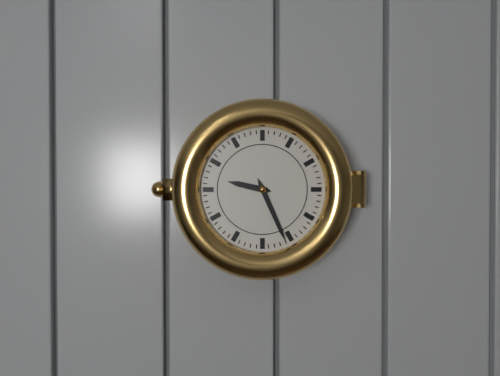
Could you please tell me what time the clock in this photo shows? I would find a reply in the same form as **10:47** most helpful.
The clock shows **9:26**
